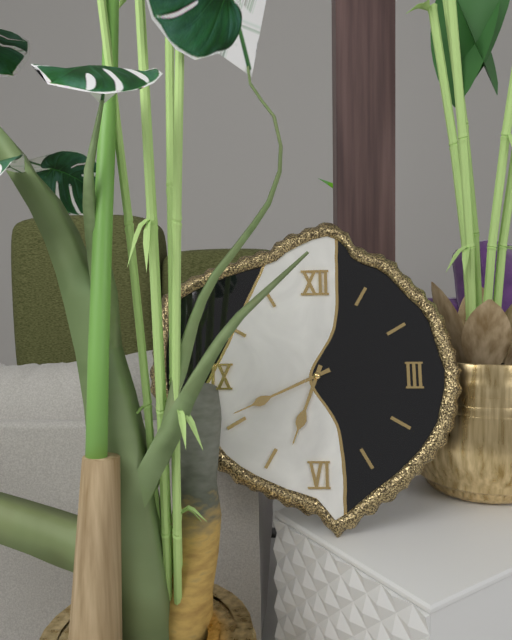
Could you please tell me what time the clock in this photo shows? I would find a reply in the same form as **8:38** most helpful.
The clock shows **6:41**
